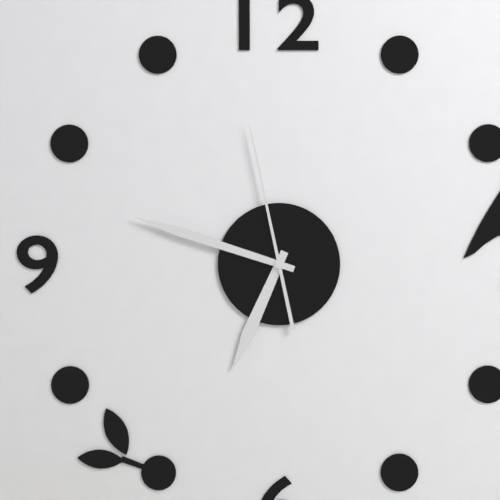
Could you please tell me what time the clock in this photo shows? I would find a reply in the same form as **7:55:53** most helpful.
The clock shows **6:48:58**
